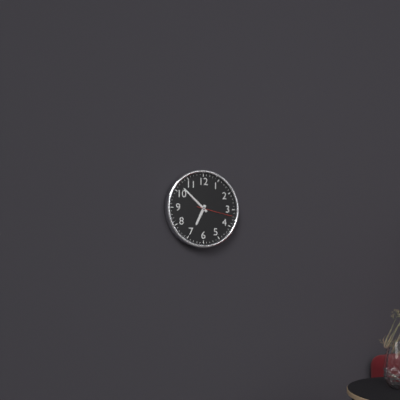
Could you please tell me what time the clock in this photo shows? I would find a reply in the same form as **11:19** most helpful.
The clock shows **6:52**
